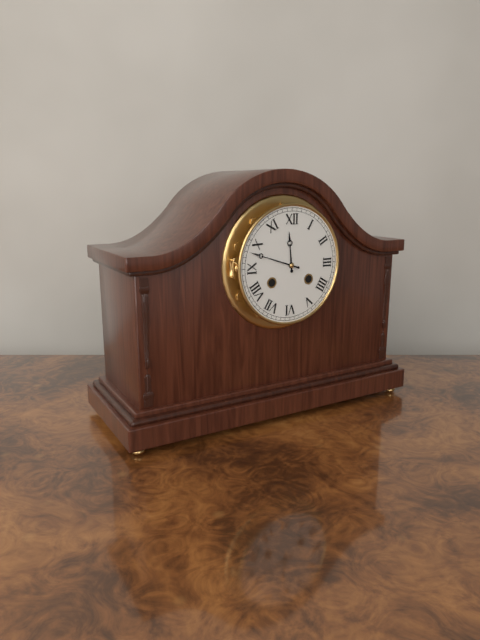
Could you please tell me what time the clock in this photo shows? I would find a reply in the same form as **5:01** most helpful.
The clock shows **11:48**
